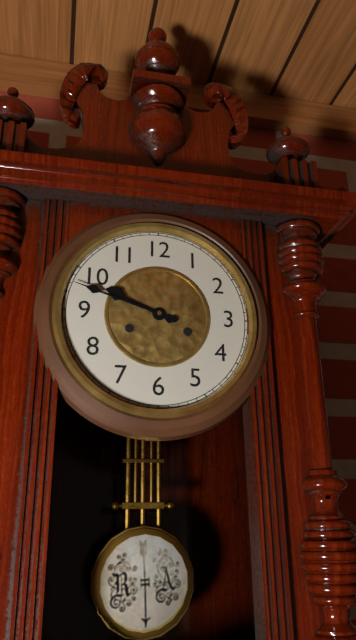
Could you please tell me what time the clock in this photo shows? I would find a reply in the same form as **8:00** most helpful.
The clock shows **9:48**
